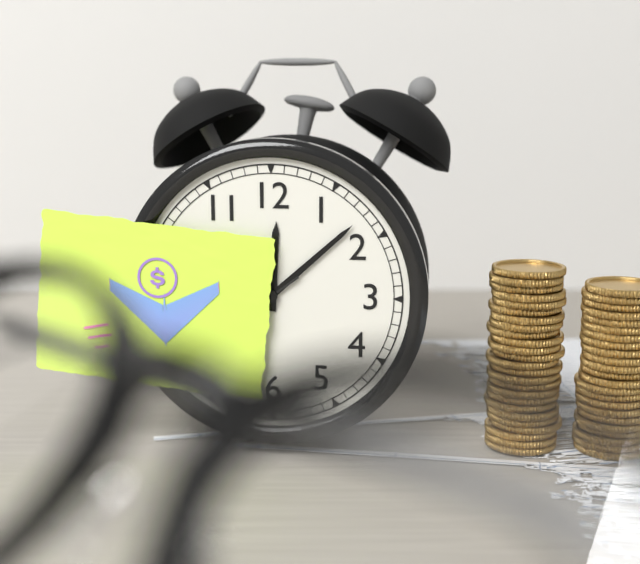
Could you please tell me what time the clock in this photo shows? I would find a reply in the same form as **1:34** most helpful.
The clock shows **12:08**
